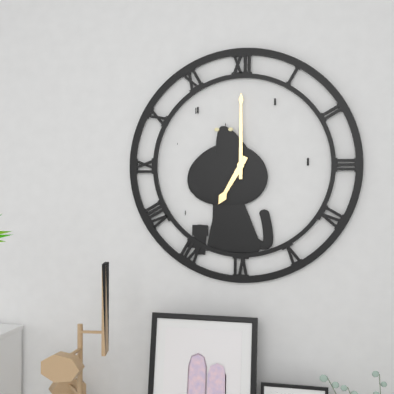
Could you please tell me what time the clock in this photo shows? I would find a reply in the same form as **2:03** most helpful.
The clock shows **7:00**
